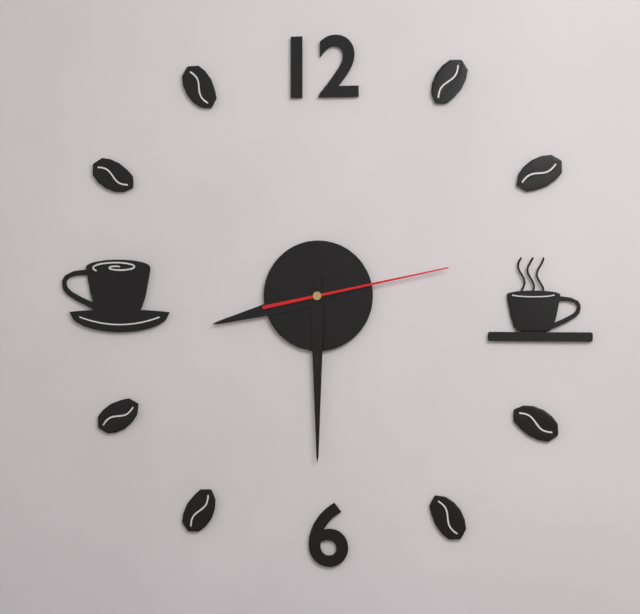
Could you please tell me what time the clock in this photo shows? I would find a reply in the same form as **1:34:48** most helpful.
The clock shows **8:30:13**
